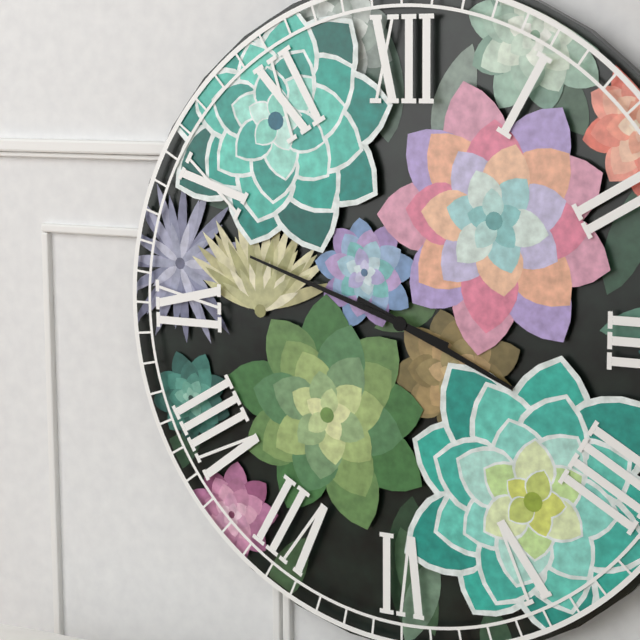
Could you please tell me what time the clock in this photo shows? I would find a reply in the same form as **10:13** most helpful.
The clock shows **3:48**
